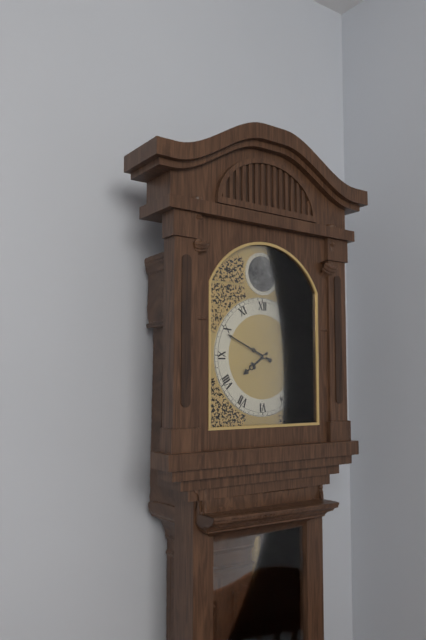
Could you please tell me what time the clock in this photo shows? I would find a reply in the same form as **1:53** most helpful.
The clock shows **7:49**
